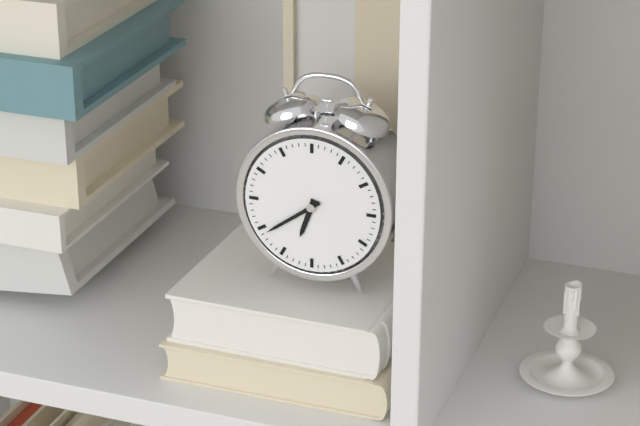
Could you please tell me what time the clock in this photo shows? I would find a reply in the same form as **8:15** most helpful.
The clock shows **6:39**
